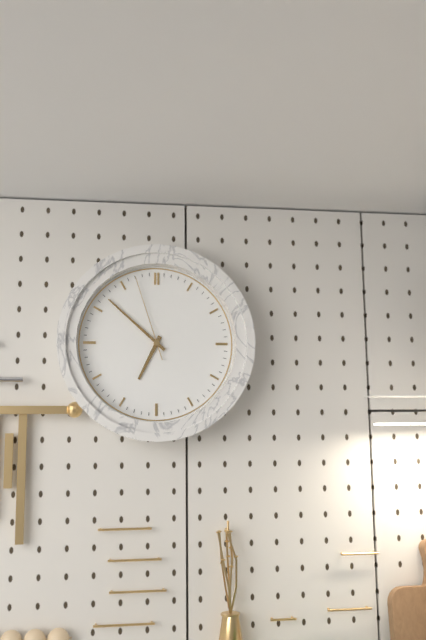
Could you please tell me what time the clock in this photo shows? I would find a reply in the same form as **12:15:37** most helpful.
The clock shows **6:52:57**
